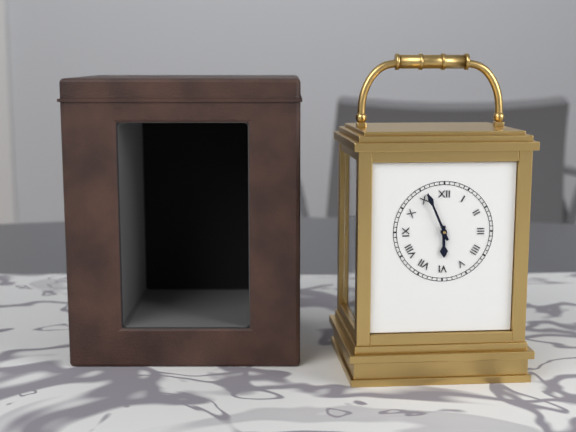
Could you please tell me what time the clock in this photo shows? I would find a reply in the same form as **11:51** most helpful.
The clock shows **5:56**
